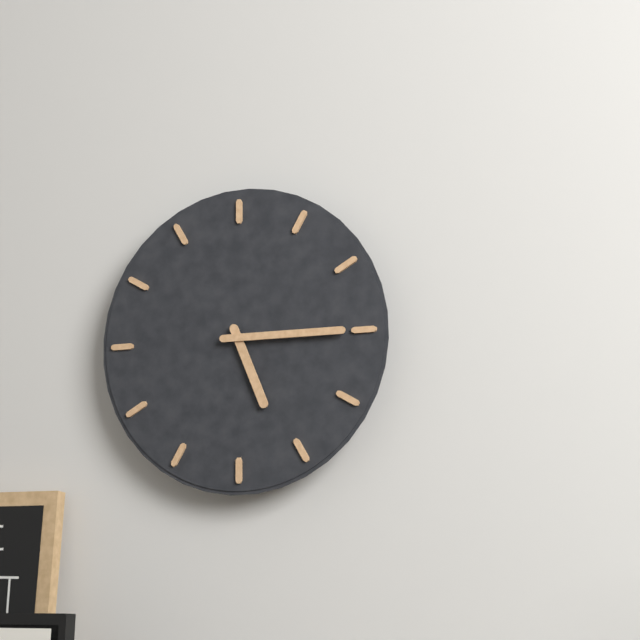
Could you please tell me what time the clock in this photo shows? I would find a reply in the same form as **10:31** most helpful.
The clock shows **5:15**
